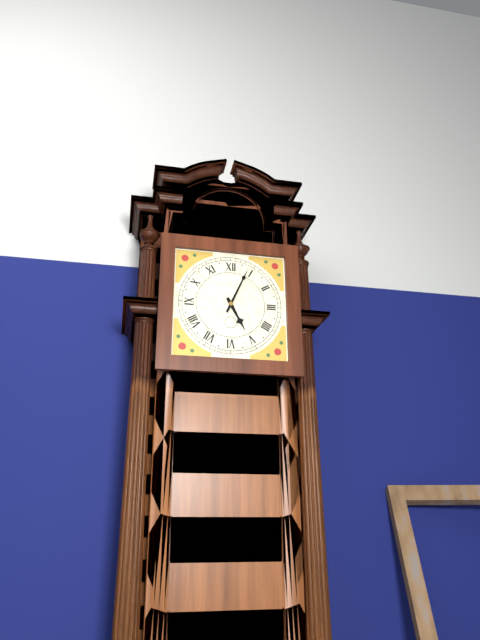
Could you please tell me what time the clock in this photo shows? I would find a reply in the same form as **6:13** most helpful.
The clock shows **5:04**
